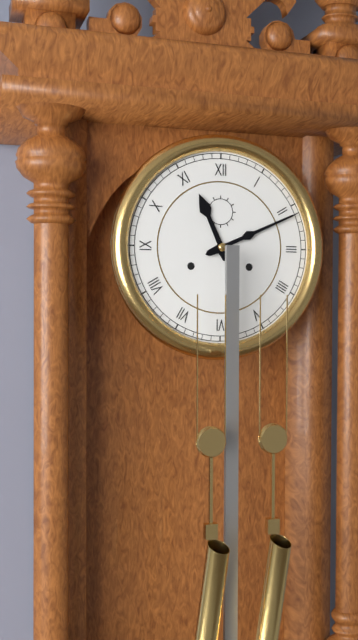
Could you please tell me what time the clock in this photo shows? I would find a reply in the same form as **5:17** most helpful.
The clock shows **11:11**
